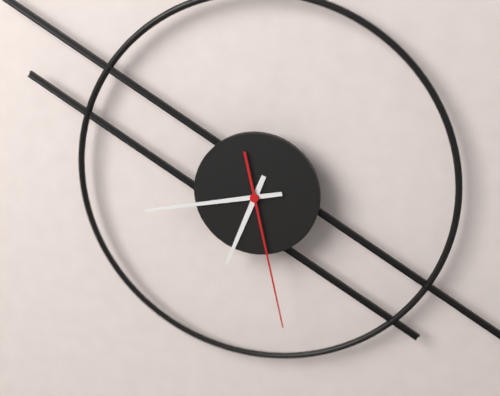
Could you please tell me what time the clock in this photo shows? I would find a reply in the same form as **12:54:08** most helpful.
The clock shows **6:43:28**
